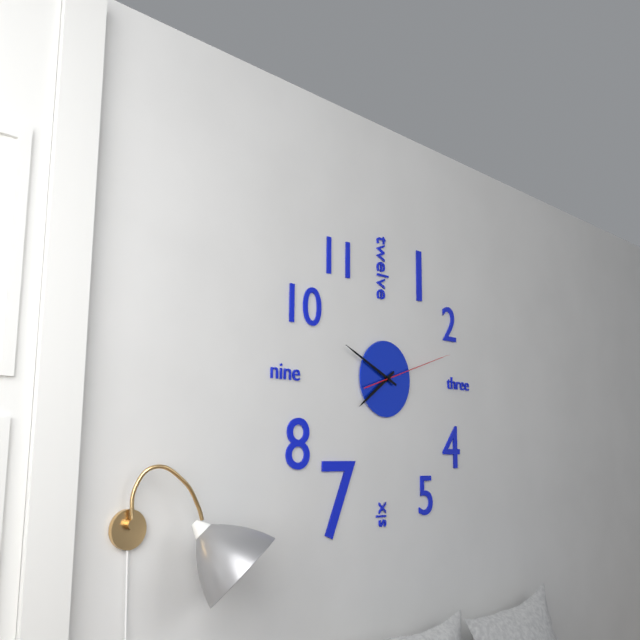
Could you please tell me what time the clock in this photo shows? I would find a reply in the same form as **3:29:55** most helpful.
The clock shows **7:49:12**
